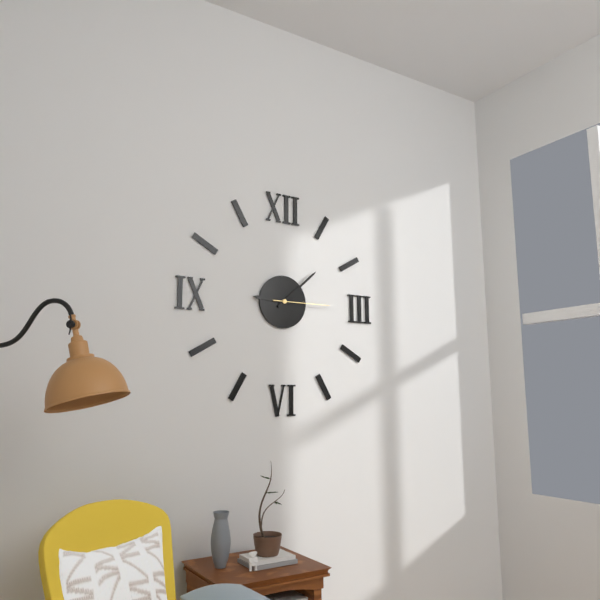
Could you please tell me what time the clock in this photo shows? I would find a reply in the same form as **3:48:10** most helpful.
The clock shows **9:08:15**
